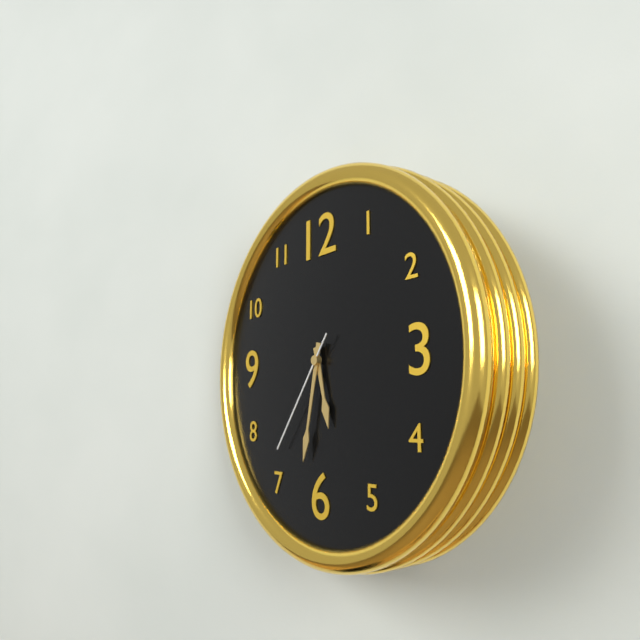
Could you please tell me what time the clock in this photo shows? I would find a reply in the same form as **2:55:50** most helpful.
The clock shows **5:32:36**
